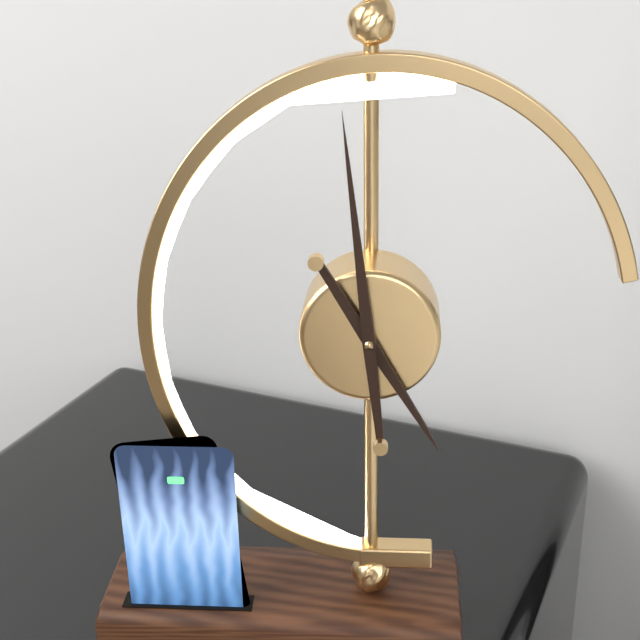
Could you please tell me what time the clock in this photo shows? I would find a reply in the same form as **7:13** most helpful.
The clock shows **4:59**
